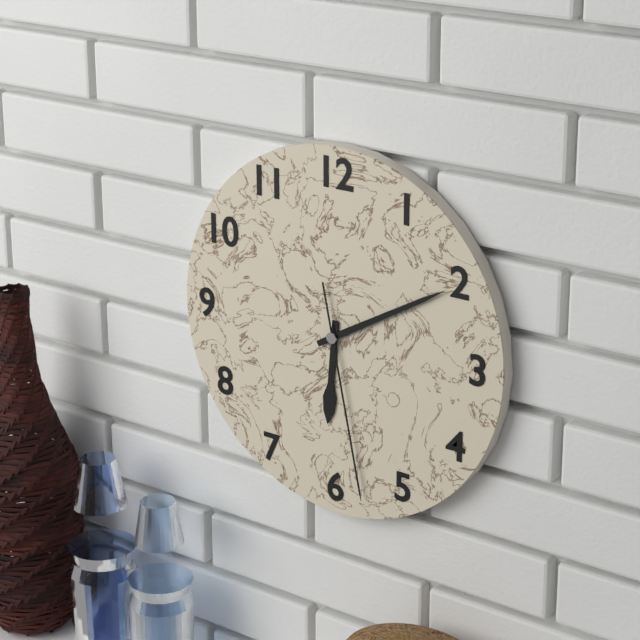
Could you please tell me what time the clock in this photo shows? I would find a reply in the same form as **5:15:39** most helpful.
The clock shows **6:10:28**
